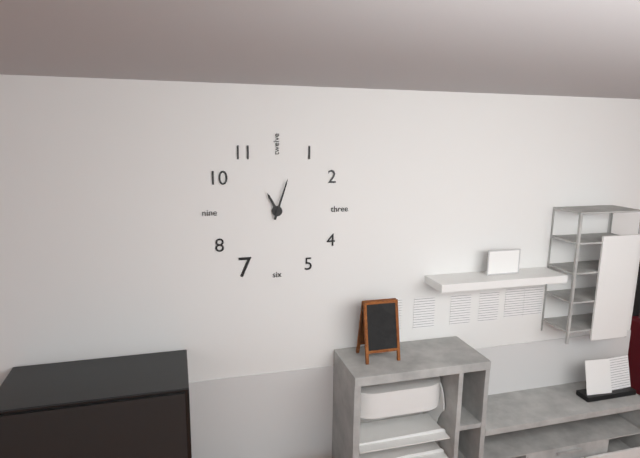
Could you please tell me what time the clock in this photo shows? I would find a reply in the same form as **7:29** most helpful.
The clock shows **11:03**
